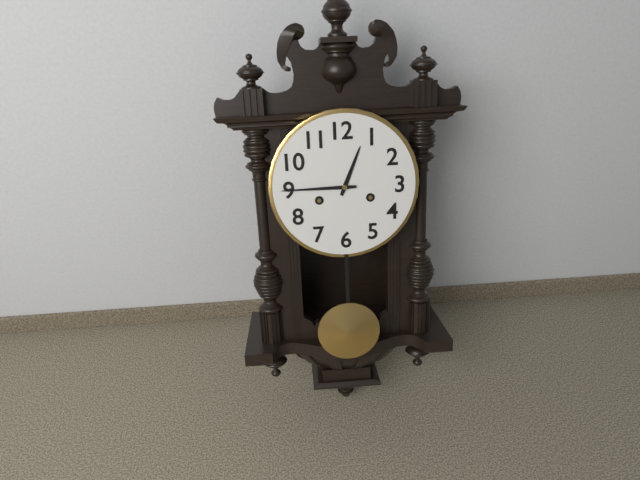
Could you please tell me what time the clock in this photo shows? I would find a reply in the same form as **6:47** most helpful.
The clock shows **12:45**
